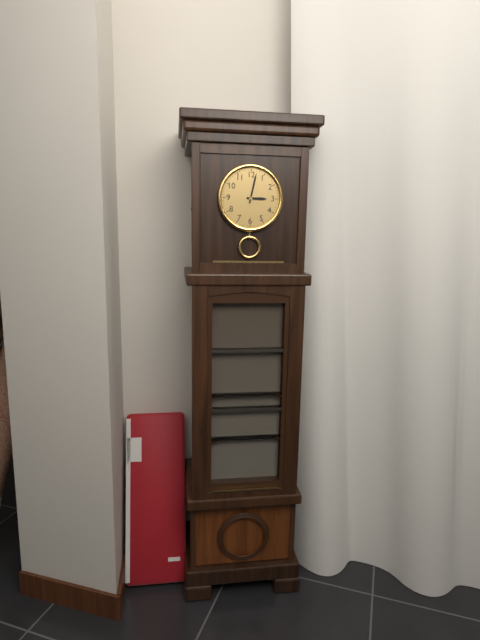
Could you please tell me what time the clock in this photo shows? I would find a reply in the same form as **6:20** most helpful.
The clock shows **3:02**
